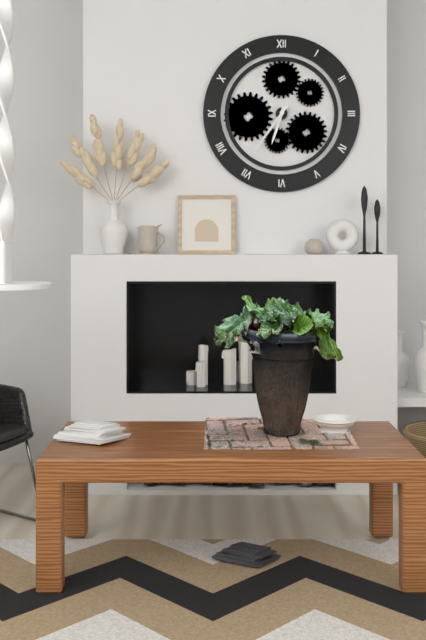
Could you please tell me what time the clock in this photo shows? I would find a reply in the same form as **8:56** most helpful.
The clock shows **6:36**
